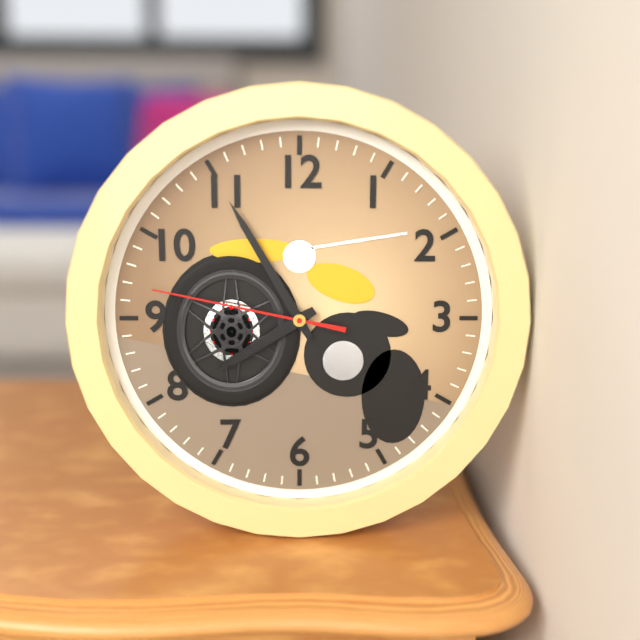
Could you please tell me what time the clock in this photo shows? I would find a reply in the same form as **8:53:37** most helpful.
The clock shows **7:55:47**
